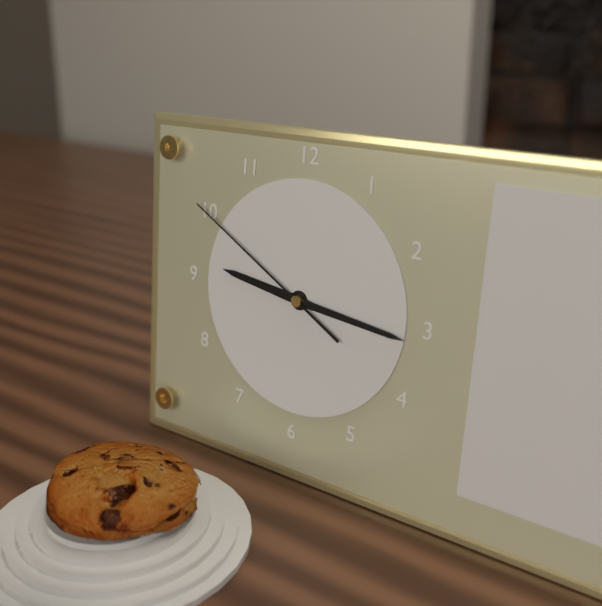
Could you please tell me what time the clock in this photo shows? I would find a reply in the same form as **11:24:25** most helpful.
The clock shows **9:16:50**
